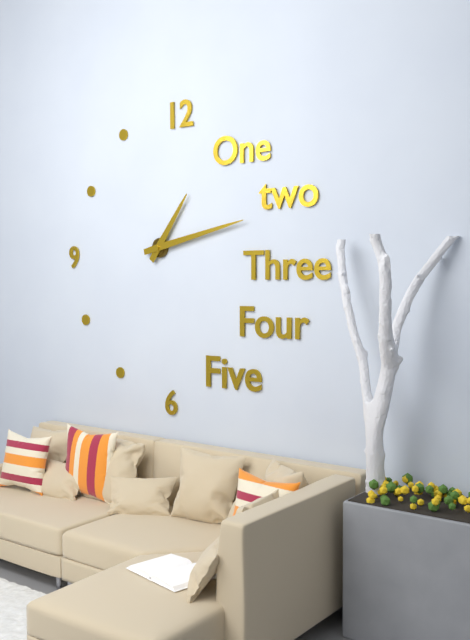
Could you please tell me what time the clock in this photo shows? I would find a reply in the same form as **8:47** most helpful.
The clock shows **1:13**
